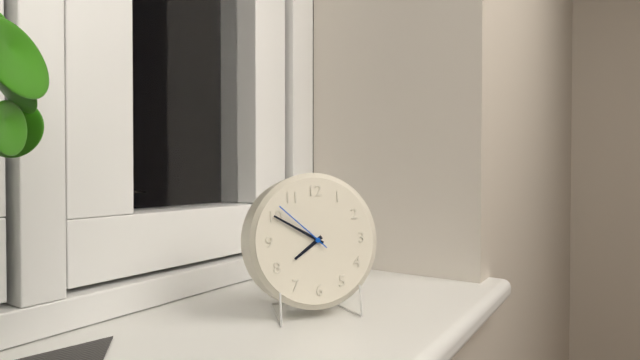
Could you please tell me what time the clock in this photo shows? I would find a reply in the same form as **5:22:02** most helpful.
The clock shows **7:50:52**
